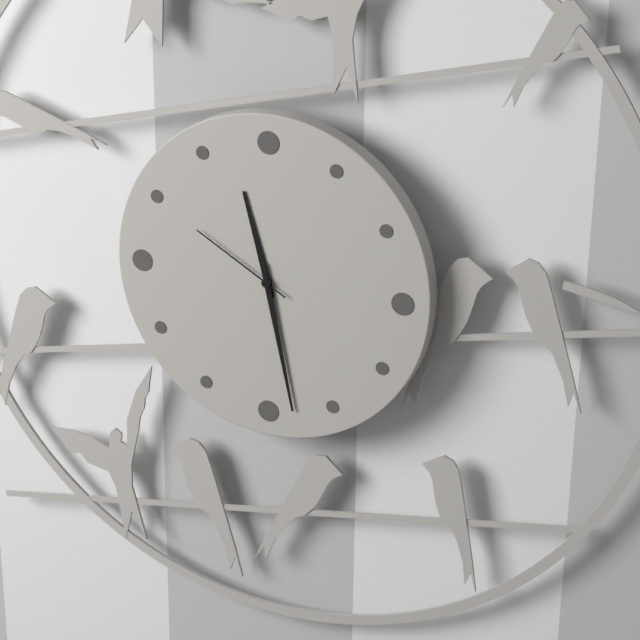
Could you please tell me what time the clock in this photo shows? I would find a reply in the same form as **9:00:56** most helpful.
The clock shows **11:28:50**
